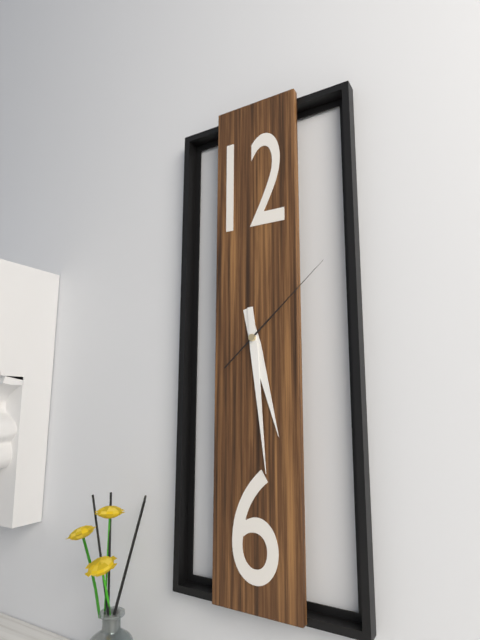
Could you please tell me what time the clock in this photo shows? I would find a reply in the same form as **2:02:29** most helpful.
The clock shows **5:29:08**
